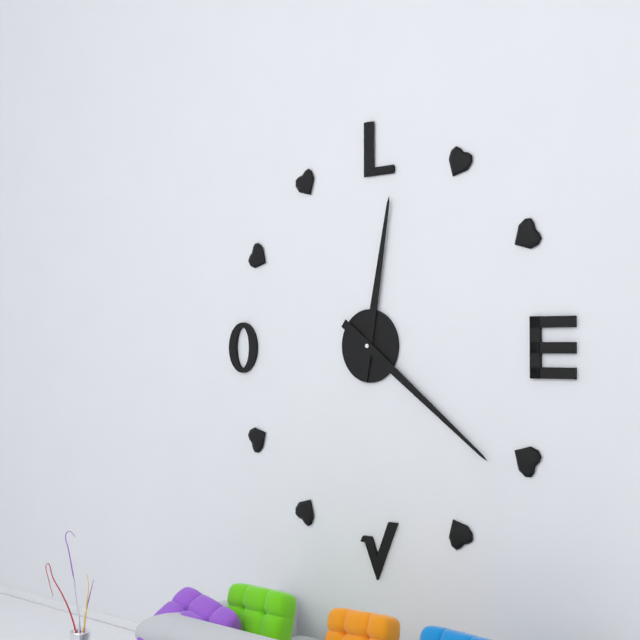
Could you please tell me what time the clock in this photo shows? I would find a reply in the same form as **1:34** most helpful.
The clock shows **12:21**
